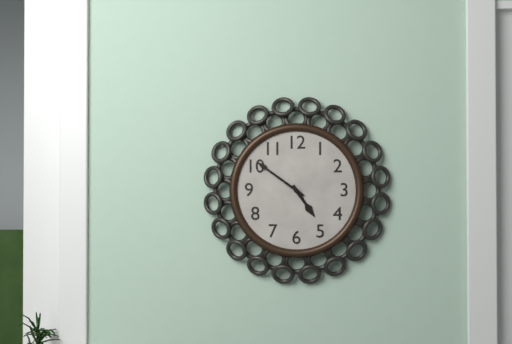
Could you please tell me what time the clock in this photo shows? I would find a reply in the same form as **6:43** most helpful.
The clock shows **4:51**
